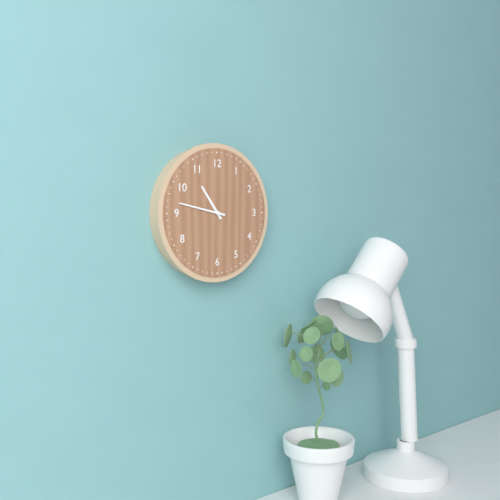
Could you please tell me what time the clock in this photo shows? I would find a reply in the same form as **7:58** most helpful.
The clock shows **10:47**
